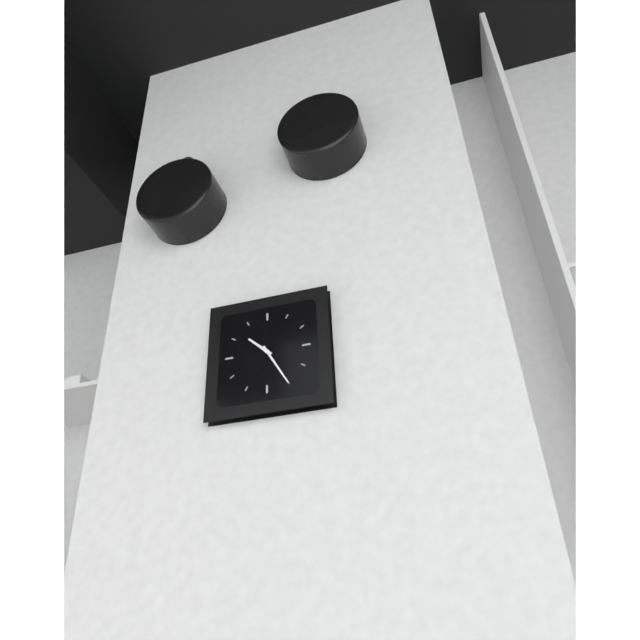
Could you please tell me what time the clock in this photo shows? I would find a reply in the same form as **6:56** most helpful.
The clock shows **10:25**
